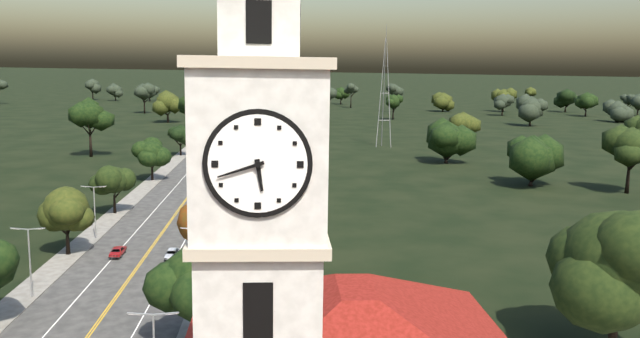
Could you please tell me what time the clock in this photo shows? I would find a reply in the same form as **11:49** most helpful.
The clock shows **5:42**
